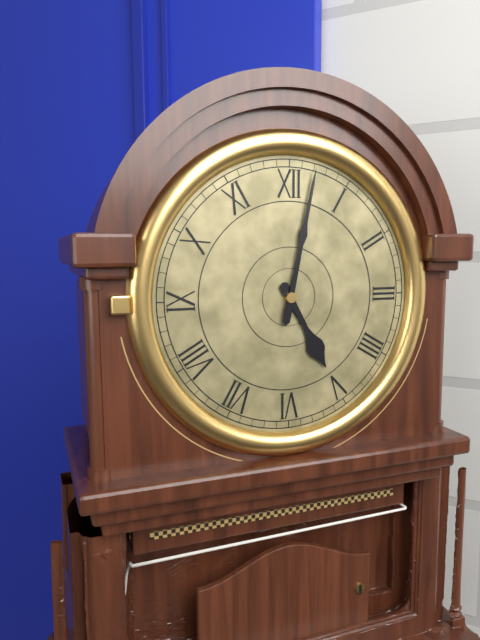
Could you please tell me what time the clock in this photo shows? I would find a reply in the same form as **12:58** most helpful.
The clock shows **5:02**
